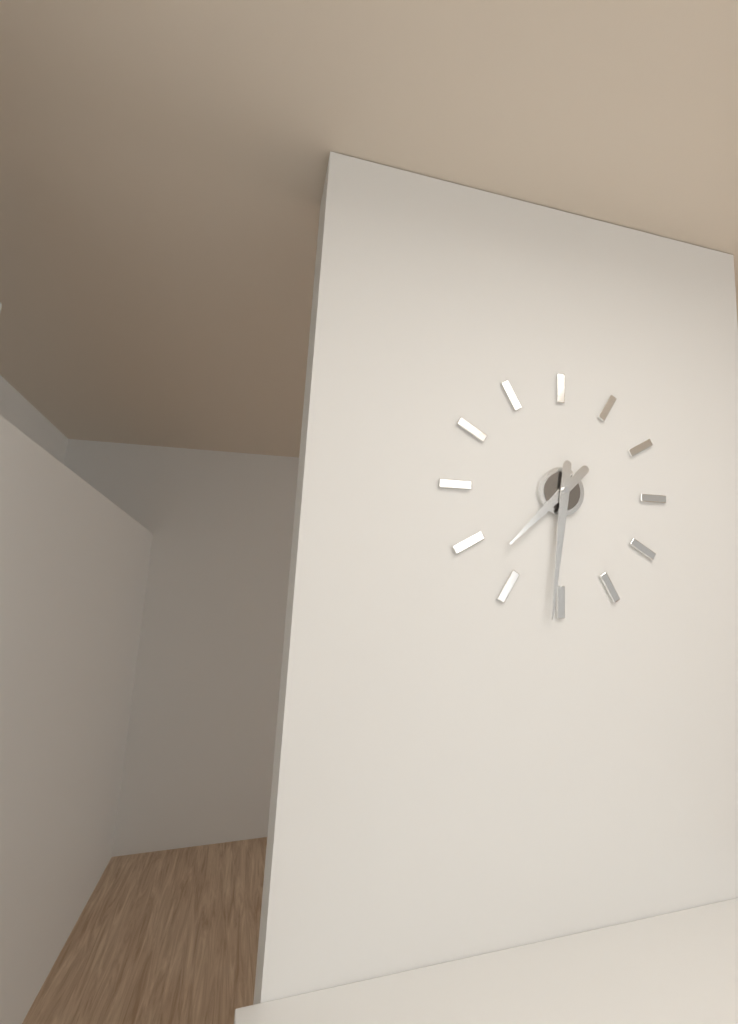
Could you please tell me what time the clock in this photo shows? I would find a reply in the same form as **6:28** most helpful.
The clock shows **7:31**
